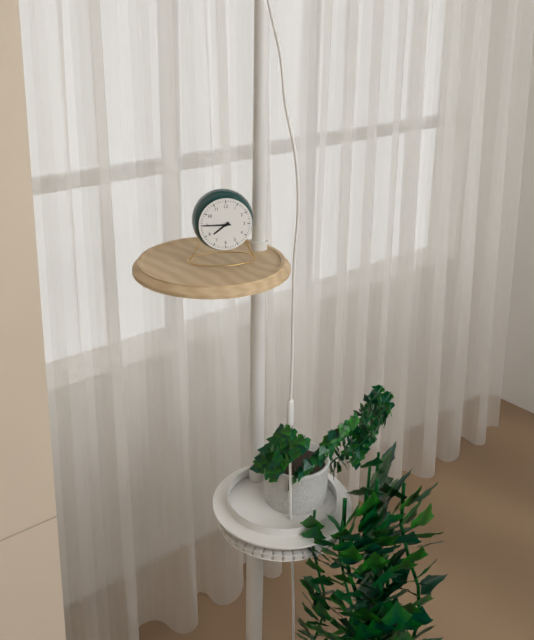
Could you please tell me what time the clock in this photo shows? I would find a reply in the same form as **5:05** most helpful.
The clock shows **7:45**
